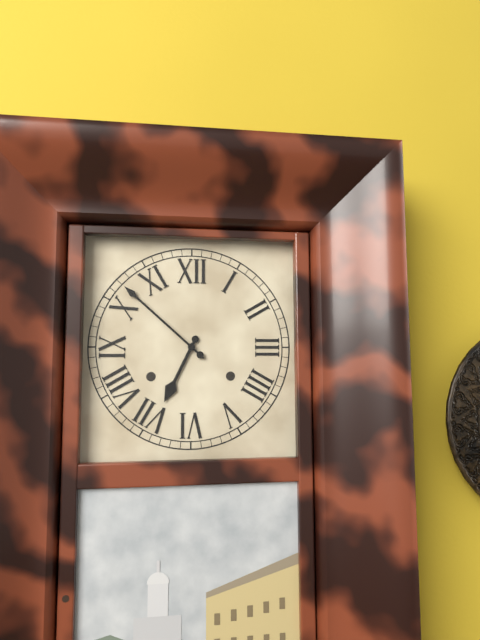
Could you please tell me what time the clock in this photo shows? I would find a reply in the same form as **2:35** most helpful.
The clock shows **6:52**
